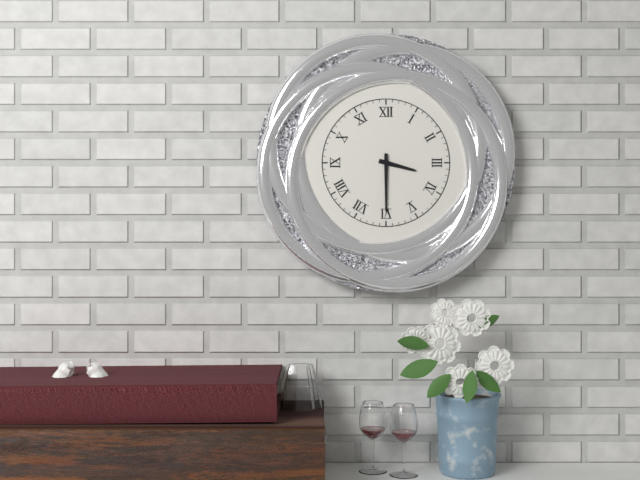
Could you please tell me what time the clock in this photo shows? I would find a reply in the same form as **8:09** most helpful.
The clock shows **3:30**
